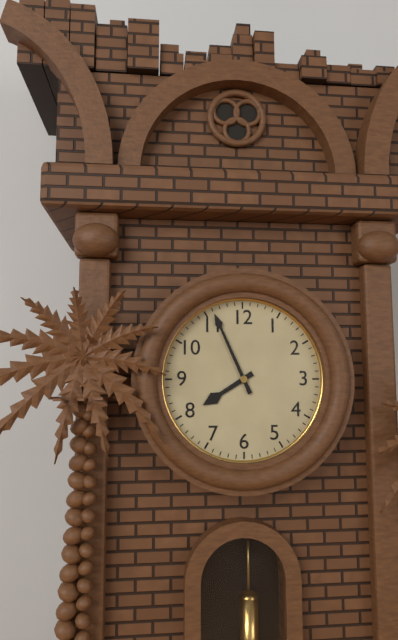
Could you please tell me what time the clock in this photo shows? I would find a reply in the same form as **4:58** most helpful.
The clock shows **7:56**
